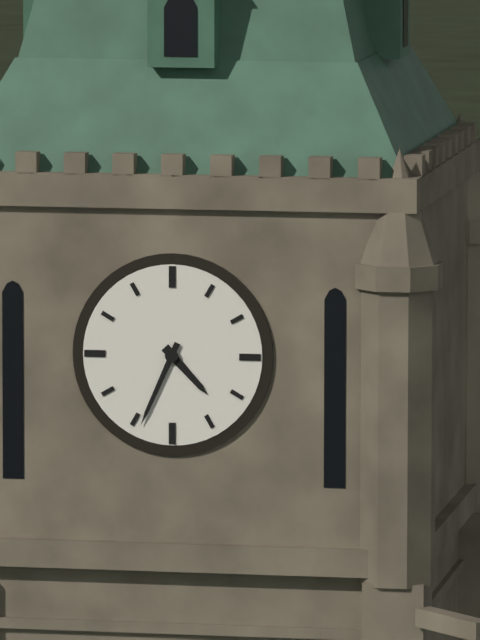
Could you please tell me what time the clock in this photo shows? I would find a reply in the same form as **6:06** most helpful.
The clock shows **4:34**
